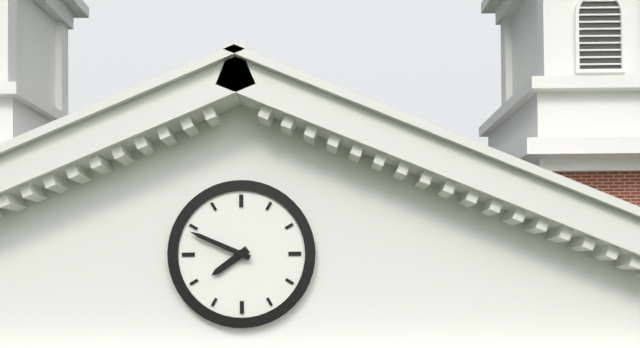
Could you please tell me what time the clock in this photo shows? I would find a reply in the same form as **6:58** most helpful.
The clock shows **7:49**
